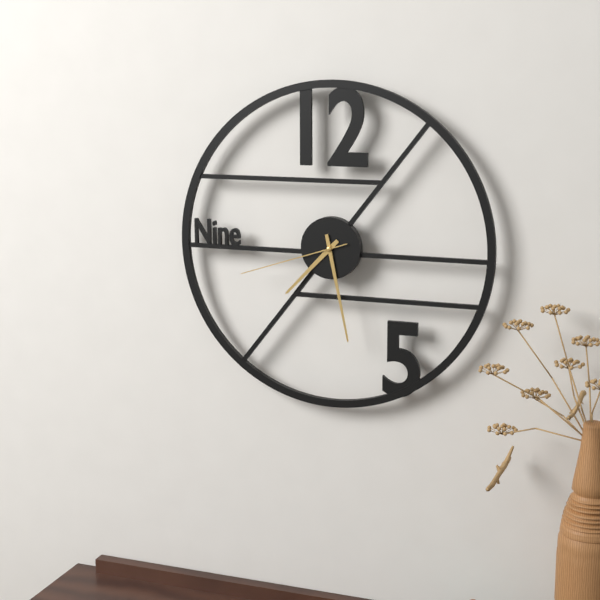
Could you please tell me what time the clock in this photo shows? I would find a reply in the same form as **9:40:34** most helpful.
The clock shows **7:28:42**
